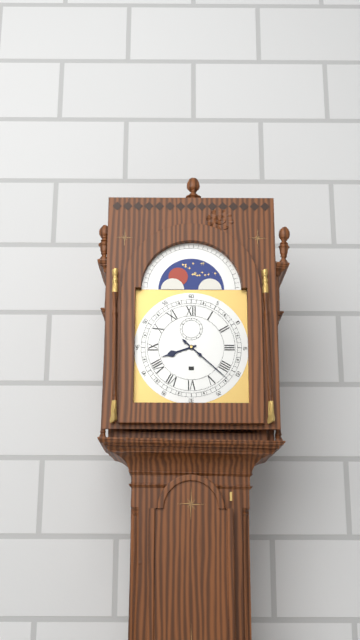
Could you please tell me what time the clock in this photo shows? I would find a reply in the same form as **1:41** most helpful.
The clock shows **8:22**
